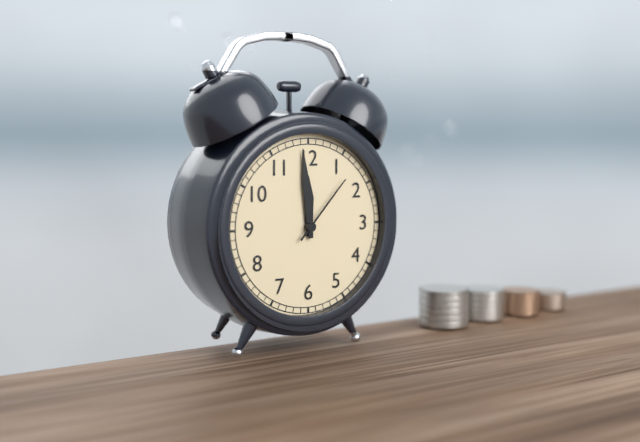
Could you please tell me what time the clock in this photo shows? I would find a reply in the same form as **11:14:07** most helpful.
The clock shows **11:59:07**
